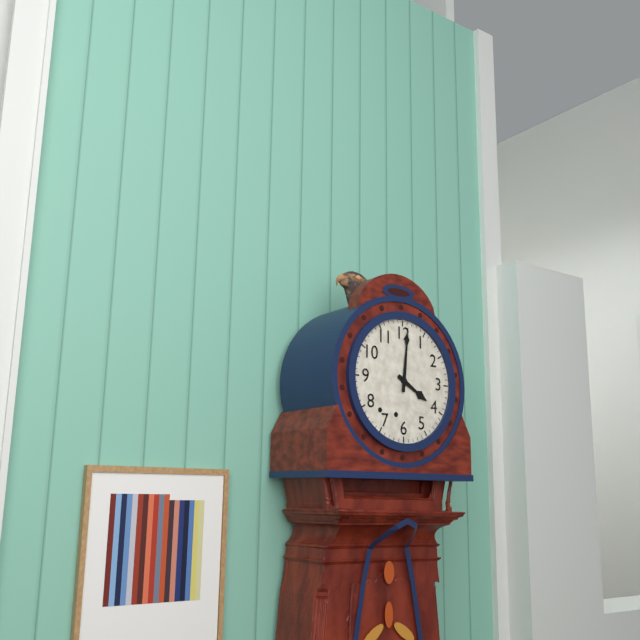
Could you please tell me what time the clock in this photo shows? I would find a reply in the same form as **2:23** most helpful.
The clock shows **4:01**
